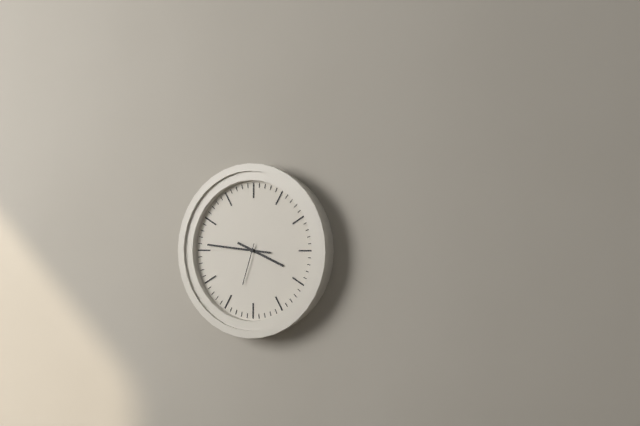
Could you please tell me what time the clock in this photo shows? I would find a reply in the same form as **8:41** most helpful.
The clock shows **3:46**
